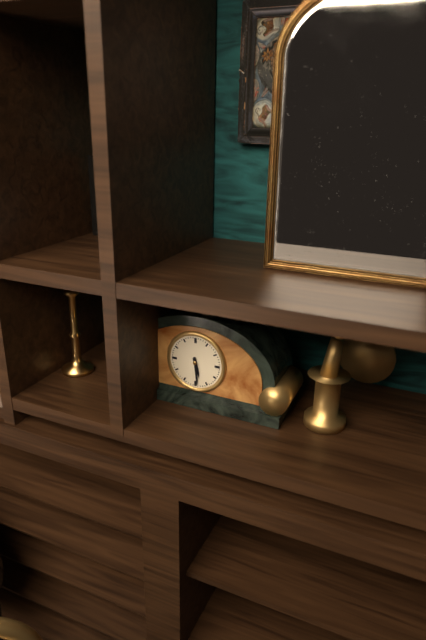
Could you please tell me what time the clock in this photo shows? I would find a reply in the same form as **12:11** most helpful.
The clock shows **5:29**
